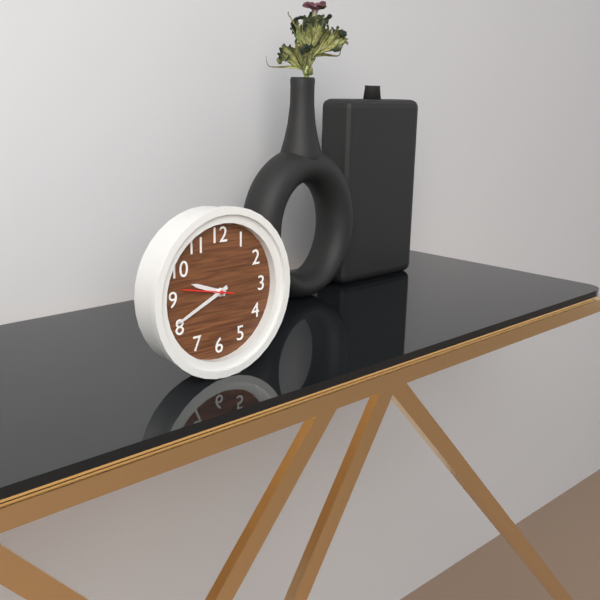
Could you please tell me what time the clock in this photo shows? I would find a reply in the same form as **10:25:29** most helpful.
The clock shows **9:41:47**
